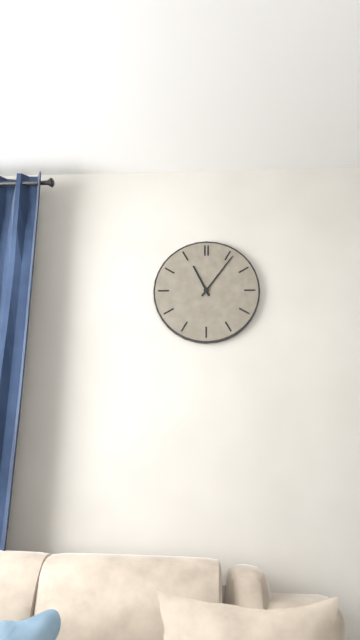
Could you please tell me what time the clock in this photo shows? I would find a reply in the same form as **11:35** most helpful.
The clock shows **11:06**
